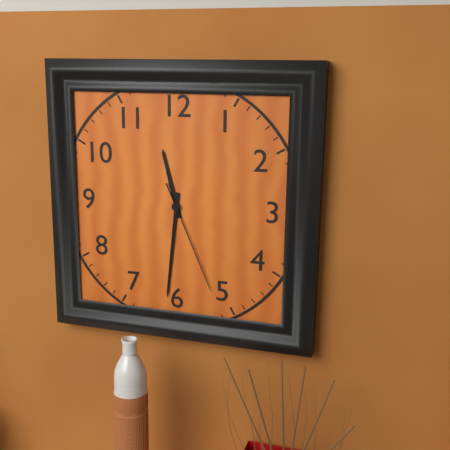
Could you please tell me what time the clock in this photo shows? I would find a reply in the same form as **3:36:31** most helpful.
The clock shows **11:31:26**
